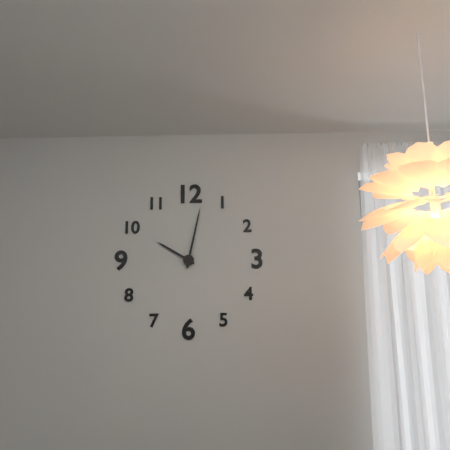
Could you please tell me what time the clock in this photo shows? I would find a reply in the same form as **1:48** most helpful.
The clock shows **10:02**
